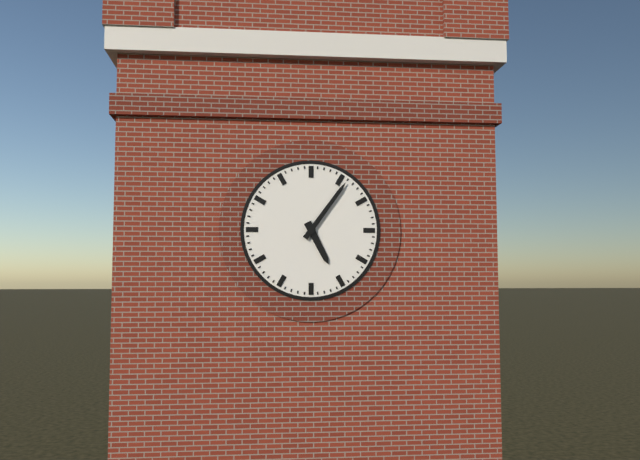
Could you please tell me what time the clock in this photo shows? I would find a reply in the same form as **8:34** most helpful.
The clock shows **5:06**
